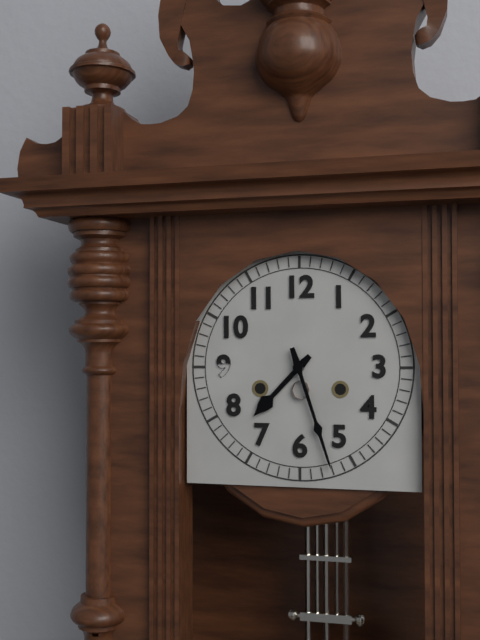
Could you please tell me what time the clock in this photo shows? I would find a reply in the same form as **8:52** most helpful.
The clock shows **7:27**
